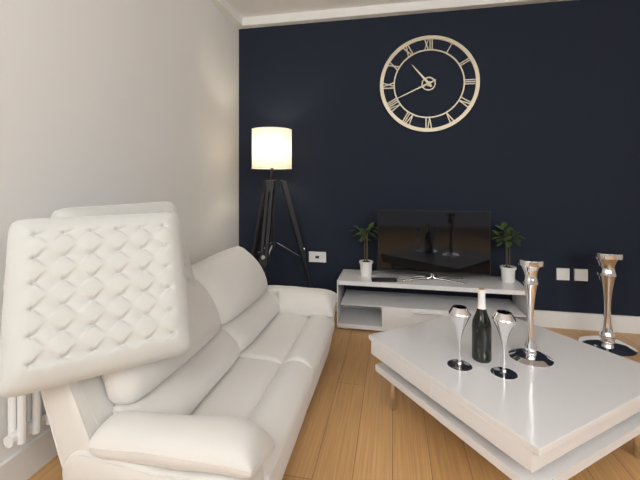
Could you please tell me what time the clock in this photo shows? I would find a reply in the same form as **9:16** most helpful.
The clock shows **10:41**
